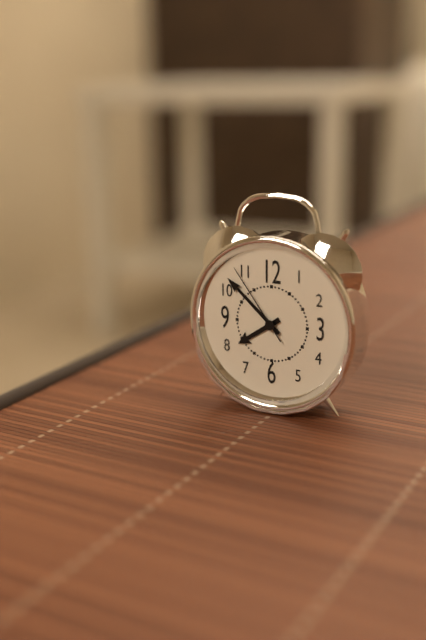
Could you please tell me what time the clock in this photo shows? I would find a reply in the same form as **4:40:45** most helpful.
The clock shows **7:52:54**
